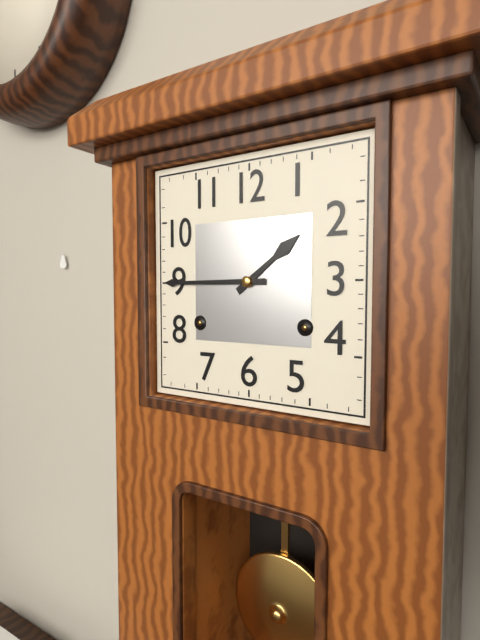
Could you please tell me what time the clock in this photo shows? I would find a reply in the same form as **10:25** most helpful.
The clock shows **1:45**
